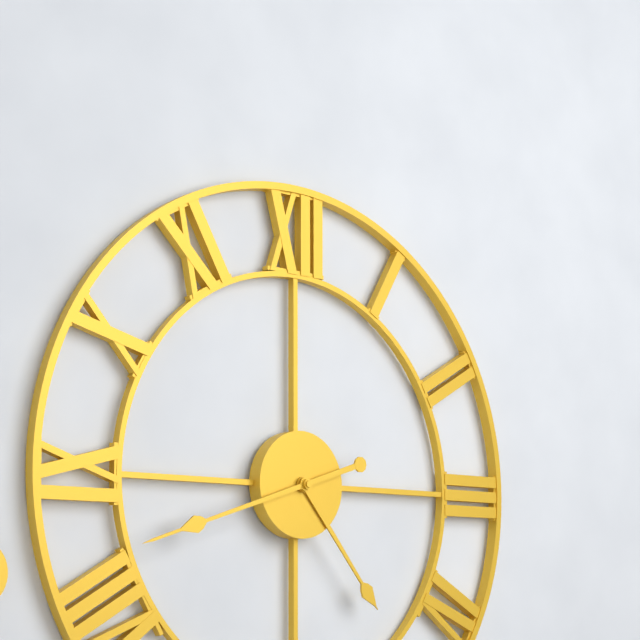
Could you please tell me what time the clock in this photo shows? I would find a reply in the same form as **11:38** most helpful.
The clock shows **4:42**
